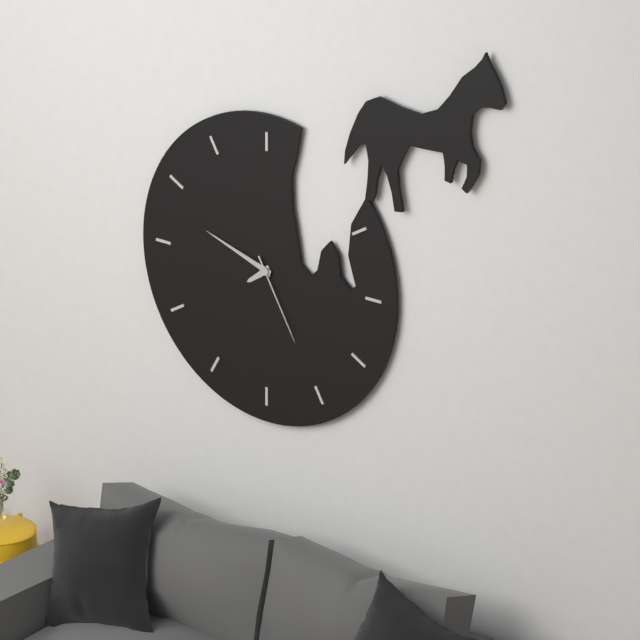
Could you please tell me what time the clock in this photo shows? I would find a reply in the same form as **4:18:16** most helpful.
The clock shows **7:48:25**
